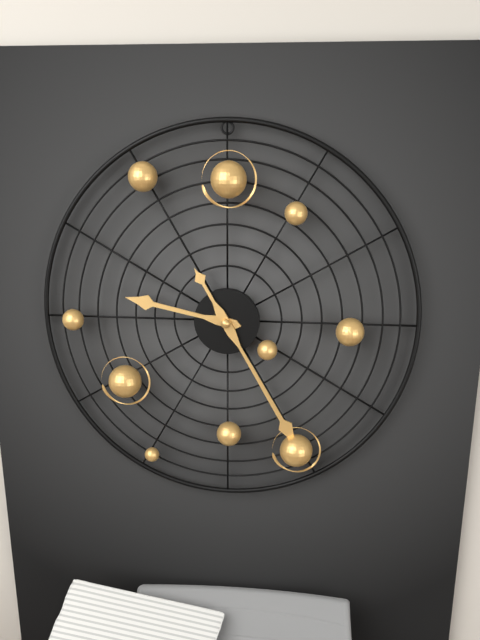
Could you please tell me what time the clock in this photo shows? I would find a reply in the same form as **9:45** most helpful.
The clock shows **9:25**
